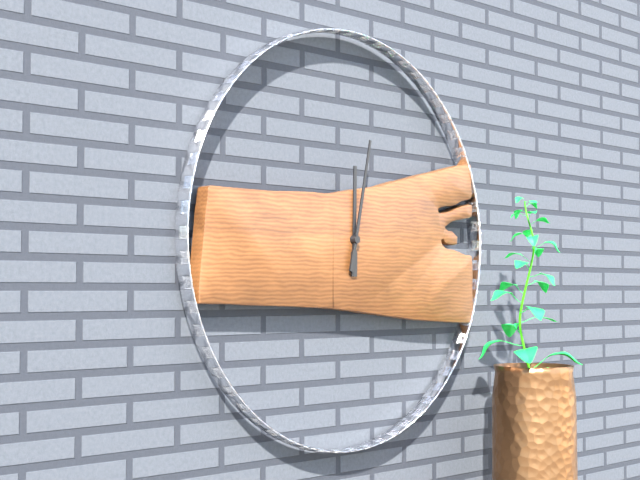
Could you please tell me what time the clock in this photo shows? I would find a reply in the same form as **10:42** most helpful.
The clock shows **12:02**
